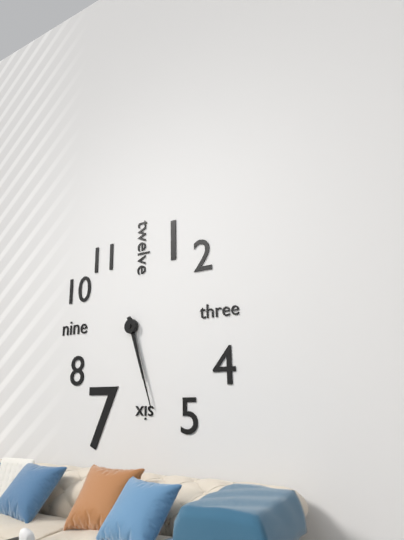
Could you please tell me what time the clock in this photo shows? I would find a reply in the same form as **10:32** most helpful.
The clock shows **5:27**
